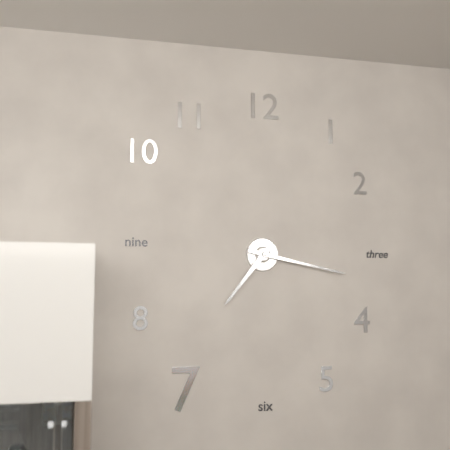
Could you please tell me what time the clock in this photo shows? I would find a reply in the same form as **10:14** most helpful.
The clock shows **7:17**
